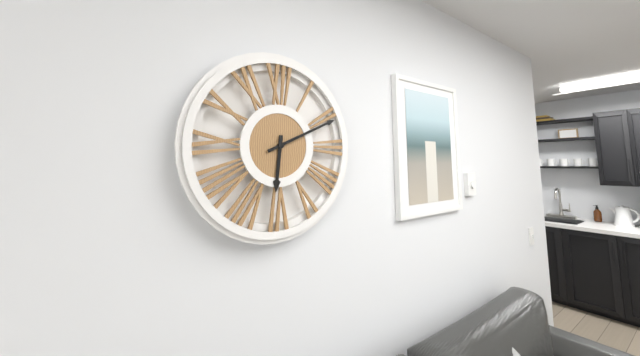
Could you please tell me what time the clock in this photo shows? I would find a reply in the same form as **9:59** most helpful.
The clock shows **6:11**
